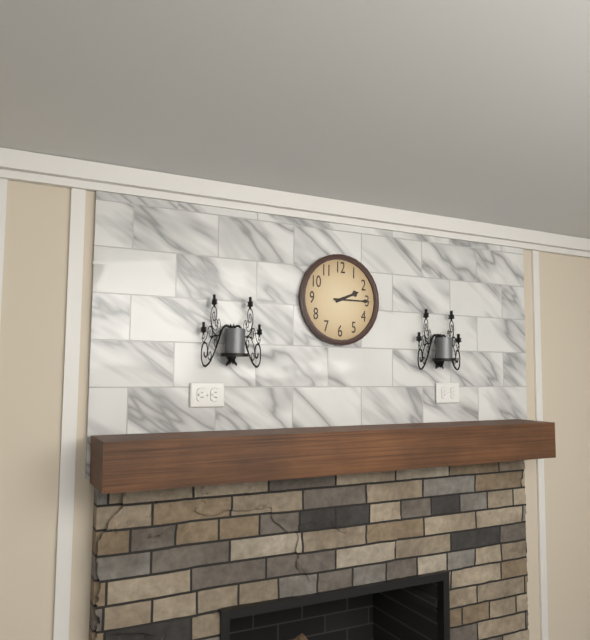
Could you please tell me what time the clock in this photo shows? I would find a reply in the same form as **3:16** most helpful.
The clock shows **2:15**
